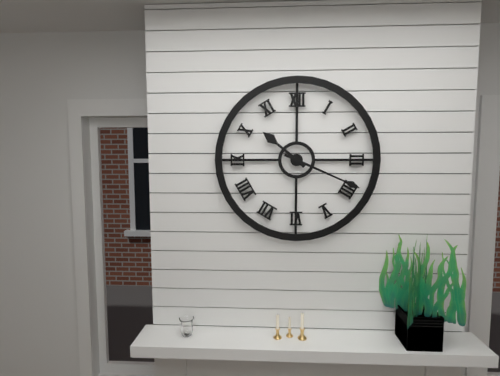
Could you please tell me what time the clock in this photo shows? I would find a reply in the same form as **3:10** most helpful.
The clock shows **10:19**
